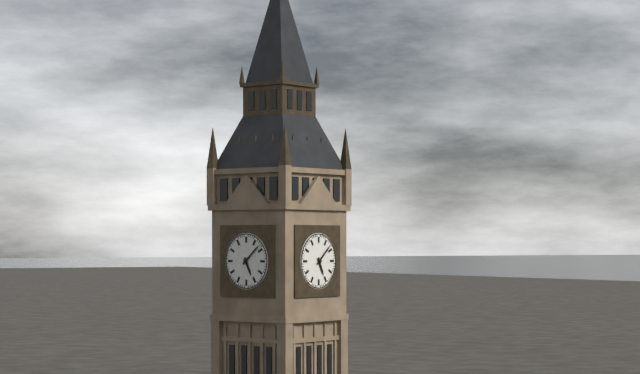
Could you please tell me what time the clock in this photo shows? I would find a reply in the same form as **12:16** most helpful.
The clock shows **5:08**
